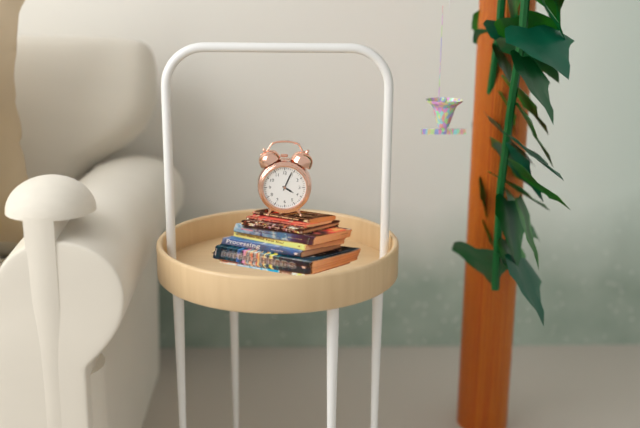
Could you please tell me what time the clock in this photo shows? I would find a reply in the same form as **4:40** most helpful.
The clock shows **4:04**
